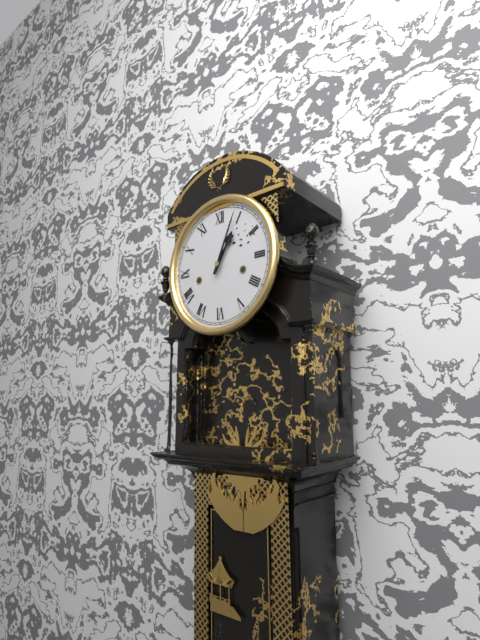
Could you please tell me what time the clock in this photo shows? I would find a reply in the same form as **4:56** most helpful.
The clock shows **1:04**
